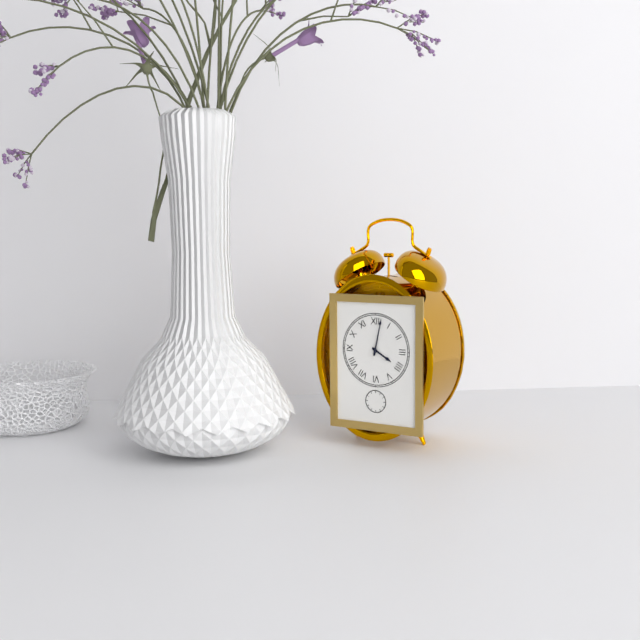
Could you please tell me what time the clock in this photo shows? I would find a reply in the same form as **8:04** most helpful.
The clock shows **4:02**
